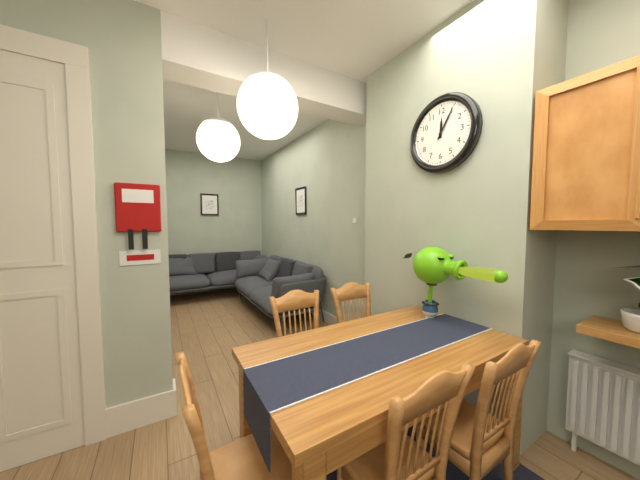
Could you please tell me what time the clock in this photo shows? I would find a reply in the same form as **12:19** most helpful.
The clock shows **12:05**
